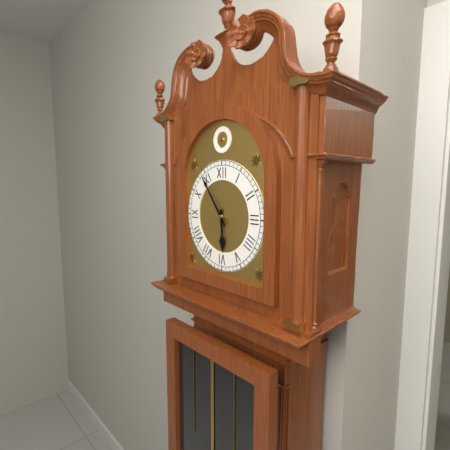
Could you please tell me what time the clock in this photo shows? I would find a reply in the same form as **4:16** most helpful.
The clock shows **5:54**
